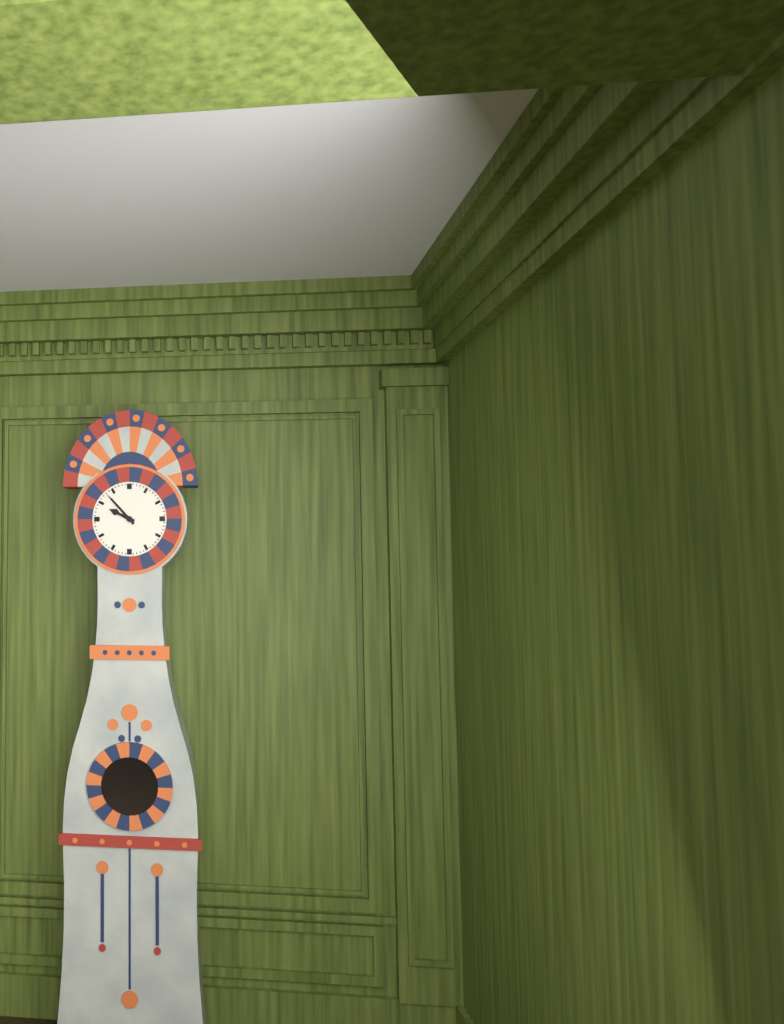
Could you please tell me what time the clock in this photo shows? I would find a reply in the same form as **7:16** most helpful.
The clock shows **9:53**
